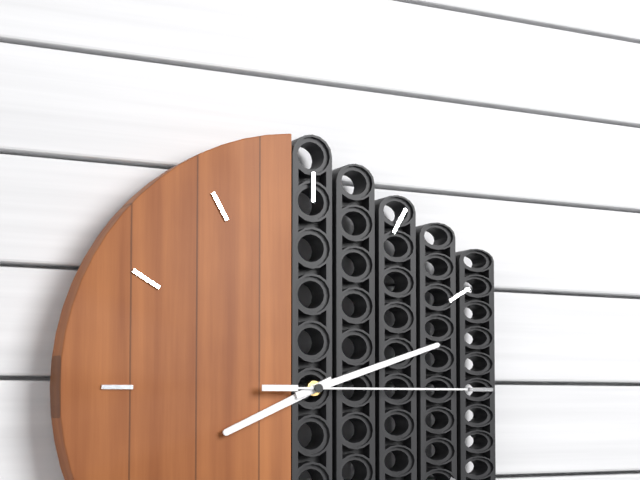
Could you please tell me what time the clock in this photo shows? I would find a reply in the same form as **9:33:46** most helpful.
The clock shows **8:12:15**
